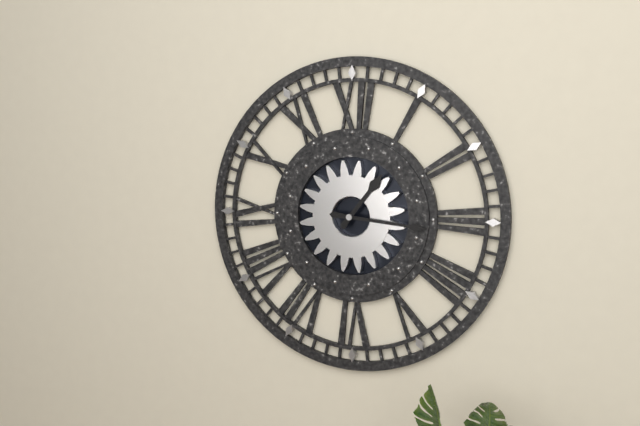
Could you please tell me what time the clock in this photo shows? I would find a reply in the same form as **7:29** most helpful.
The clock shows **1:16**
